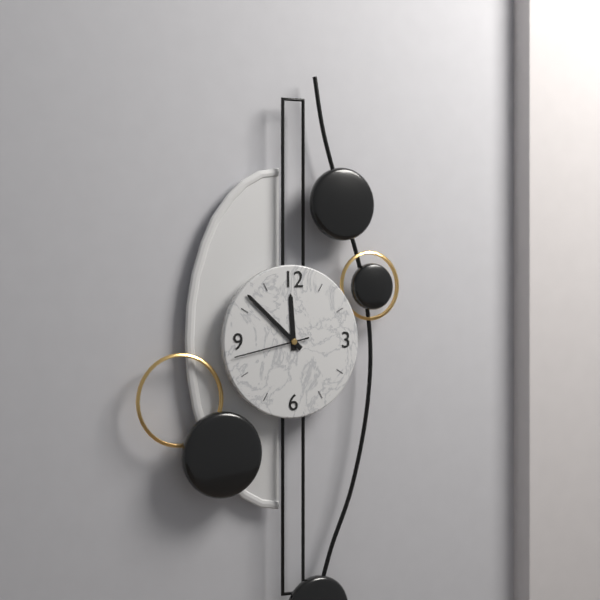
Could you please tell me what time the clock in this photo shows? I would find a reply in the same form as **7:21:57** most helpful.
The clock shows **11:52:43**
